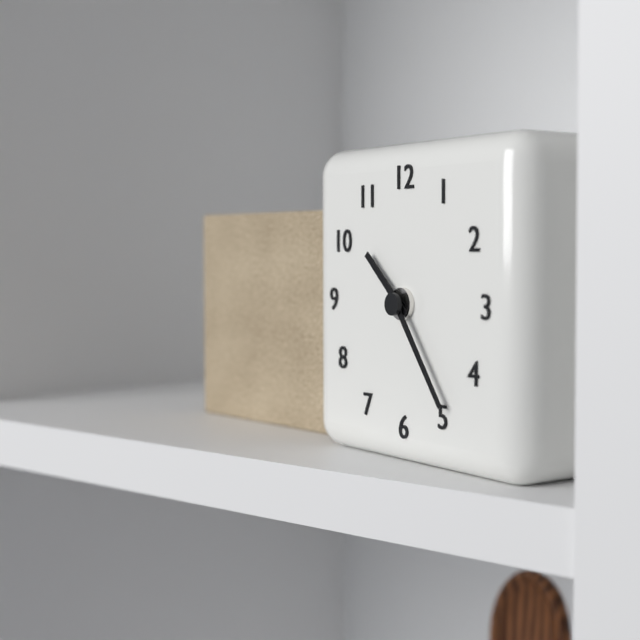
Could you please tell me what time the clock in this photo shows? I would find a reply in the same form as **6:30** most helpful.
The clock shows **10:24**
